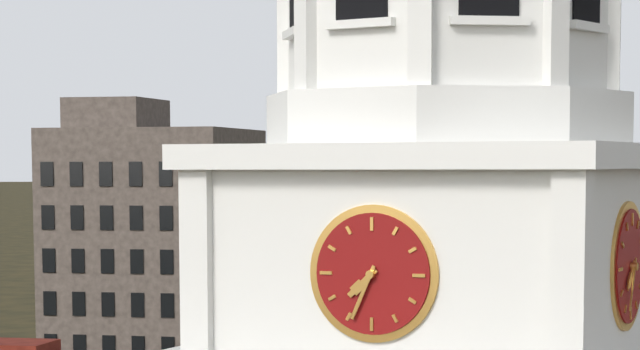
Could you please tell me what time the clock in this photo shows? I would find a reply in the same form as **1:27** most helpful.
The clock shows **7:34**
